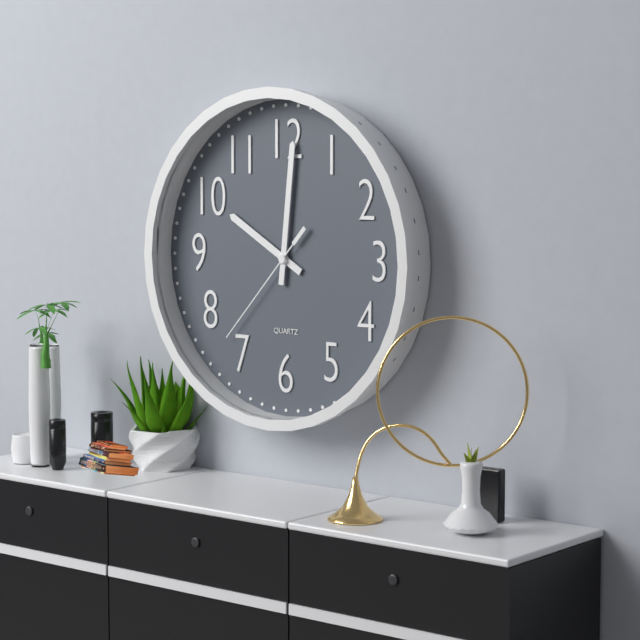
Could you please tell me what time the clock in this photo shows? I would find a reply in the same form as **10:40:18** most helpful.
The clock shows **10:01:37**
